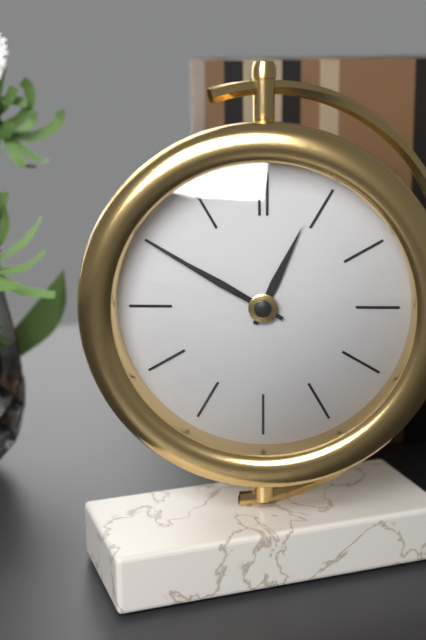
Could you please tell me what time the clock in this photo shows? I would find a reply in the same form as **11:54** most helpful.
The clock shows **12:50**
